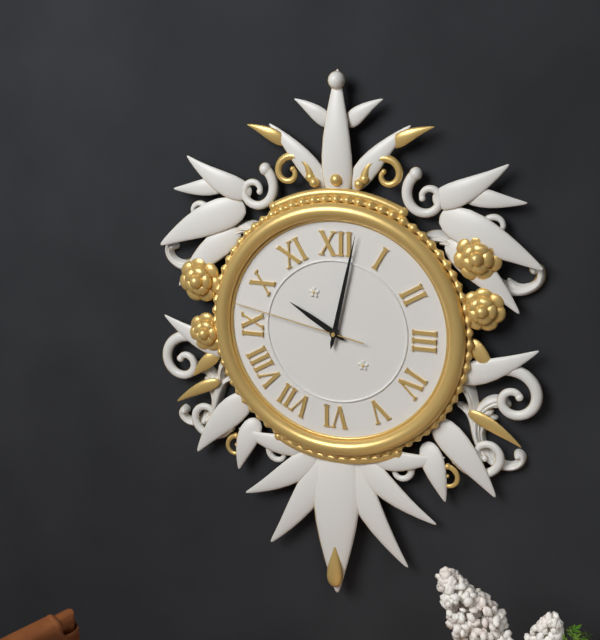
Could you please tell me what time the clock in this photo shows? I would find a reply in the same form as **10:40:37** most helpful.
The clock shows **10:02:47**
